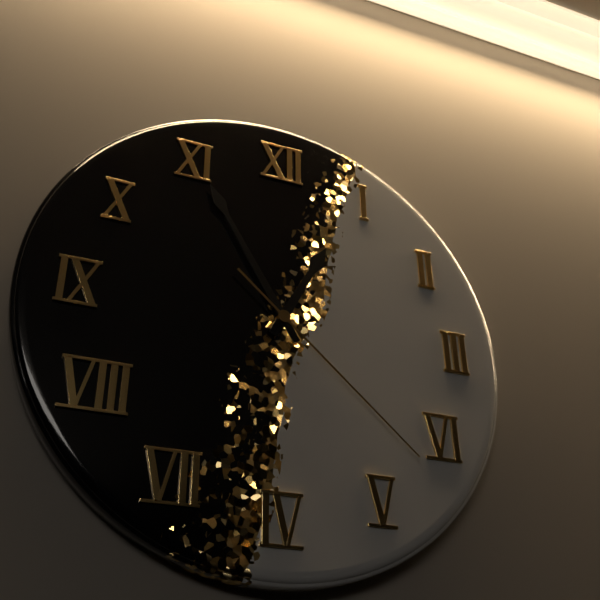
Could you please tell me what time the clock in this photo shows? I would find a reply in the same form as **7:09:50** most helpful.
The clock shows **12:55:22**
